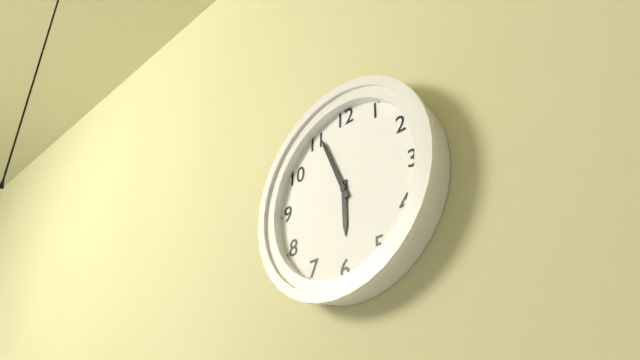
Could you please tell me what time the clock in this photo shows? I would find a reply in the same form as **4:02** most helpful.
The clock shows **5:56**
